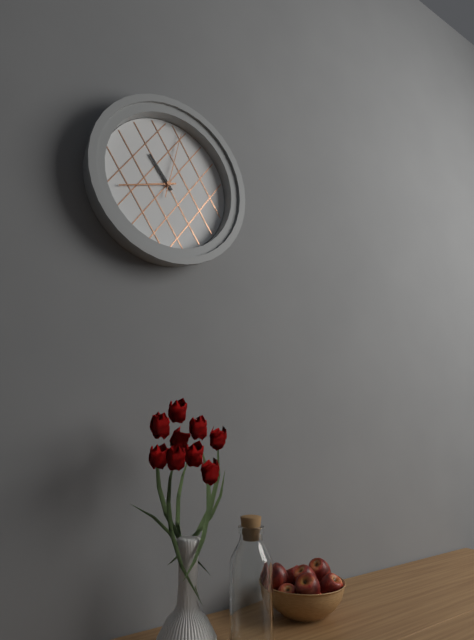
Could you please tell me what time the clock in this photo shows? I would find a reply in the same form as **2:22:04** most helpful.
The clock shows **10:42:02**
